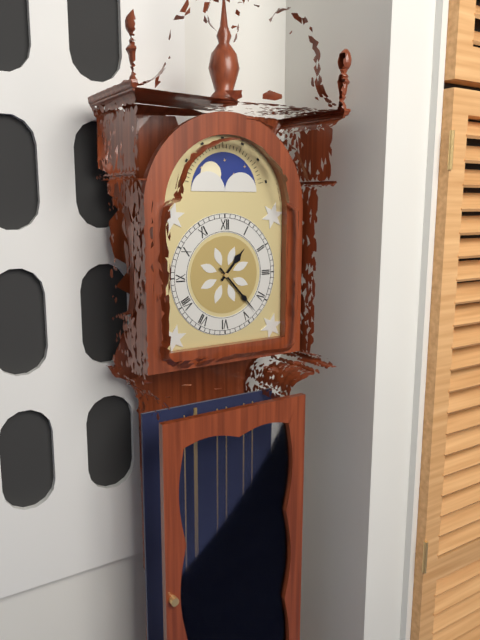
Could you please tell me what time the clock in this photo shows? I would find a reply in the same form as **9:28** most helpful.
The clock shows **1:23**
